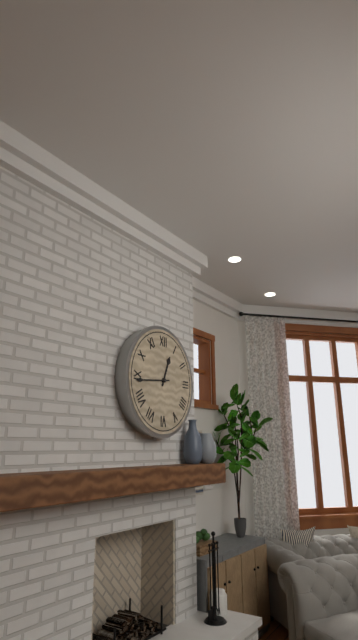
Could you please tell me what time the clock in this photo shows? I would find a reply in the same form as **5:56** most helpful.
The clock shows **12:44**
